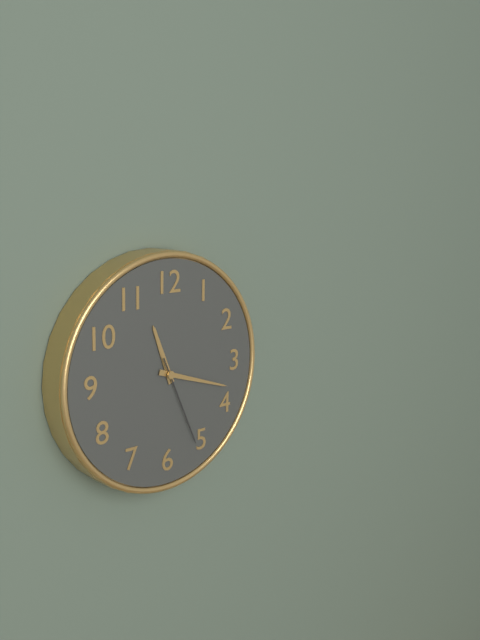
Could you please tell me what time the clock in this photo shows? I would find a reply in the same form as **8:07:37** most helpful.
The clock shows **11:18:26**
